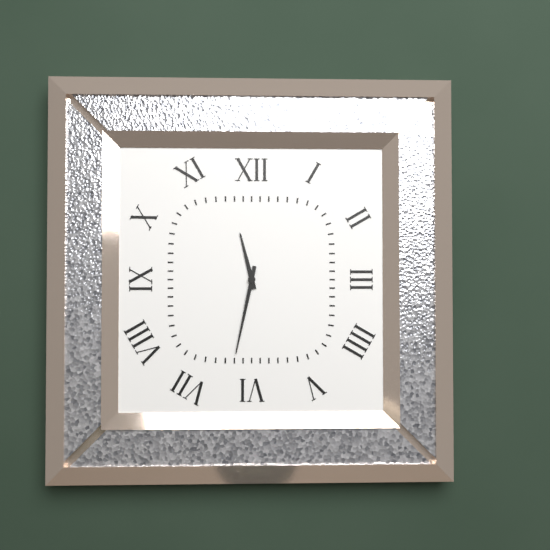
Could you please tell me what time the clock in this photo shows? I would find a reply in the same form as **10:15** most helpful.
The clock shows **11:32**
